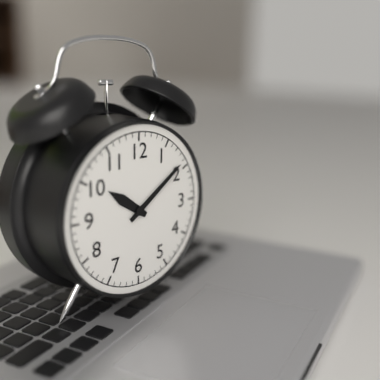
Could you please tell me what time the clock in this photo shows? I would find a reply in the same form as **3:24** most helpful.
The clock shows **10:09**
